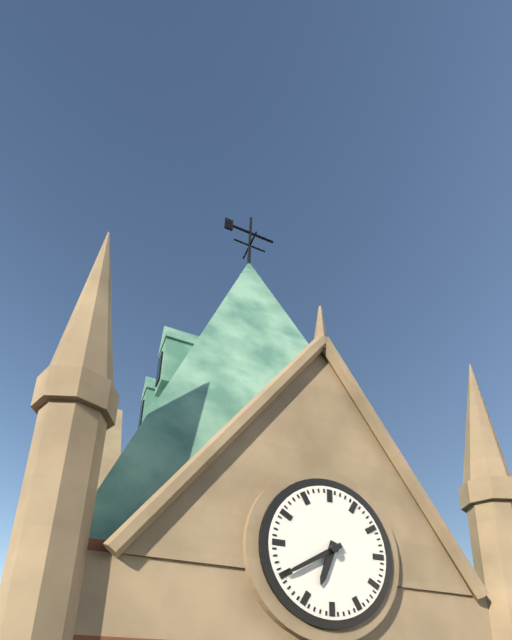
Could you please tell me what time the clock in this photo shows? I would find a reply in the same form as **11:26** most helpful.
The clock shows **6:40**
